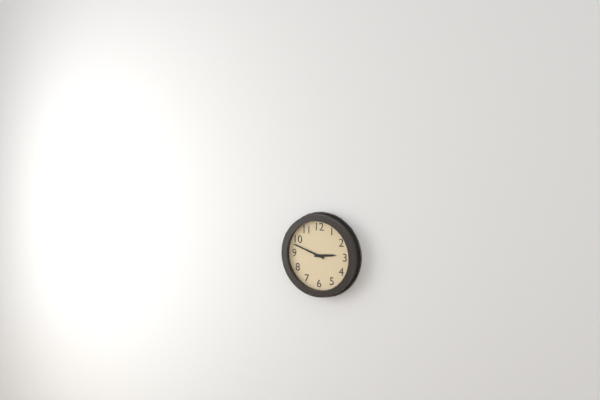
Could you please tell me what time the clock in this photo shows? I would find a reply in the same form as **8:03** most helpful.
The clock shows **2:48**
